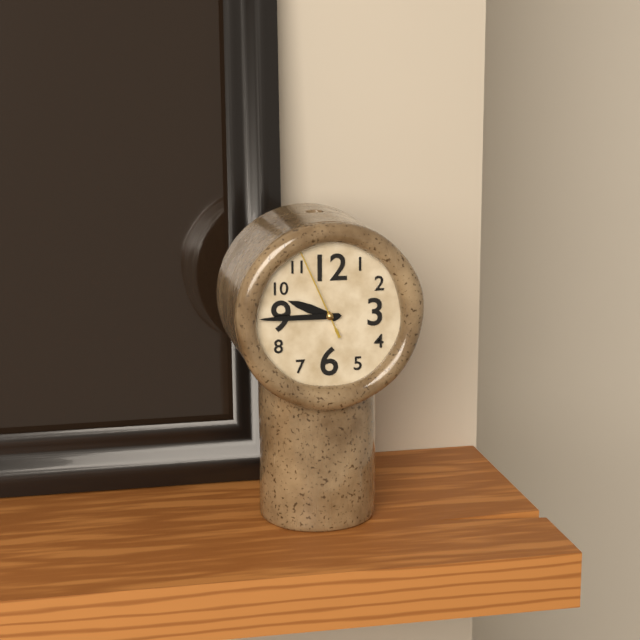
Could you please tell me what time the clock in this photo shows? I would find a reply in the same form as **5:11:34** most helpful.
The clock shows **9:45:56**
